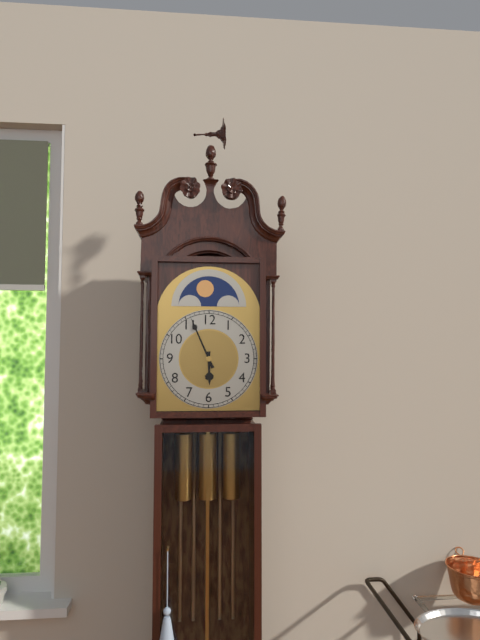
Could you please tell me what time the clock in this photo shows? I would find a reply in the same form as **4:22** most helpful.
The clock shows **5:56**
